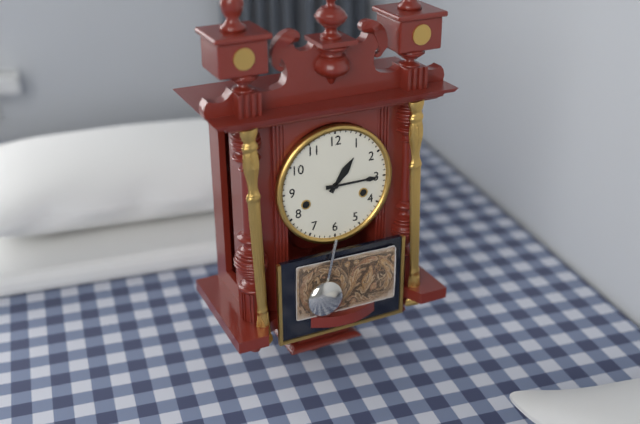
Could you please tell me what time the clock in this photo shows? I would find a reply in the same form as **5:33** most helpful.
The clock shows **1:15**
